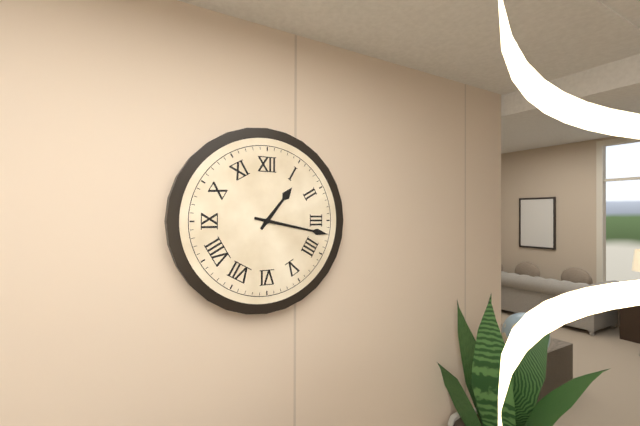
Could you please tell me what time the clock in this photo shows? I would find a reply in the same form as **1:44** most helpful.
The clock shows **1:17**
